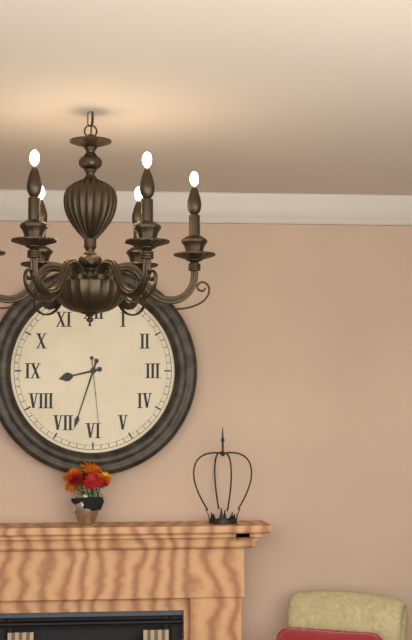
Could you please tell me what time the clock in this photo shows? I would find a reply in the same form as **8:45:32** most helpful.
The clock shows **8:33:29**
